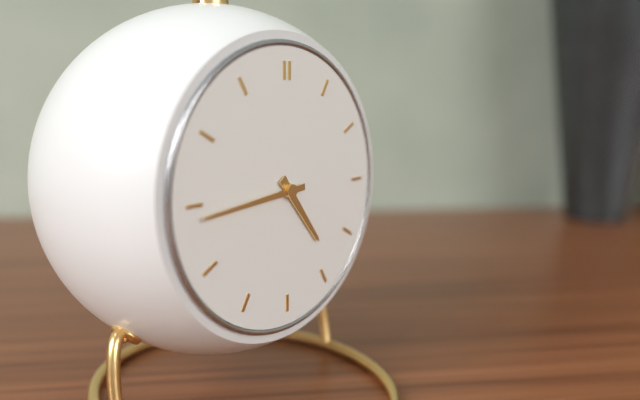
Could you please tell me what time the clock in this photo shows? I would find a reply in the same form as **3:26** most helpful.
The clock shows **4:44**
